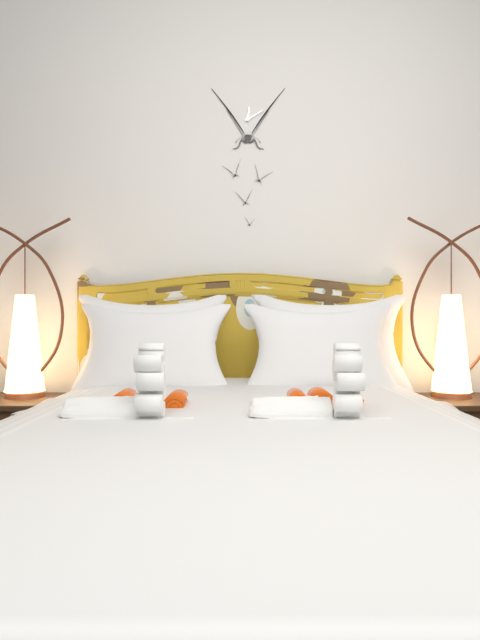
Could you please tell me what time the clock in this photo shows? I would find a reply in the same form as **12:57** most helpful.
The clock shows **12:10**
